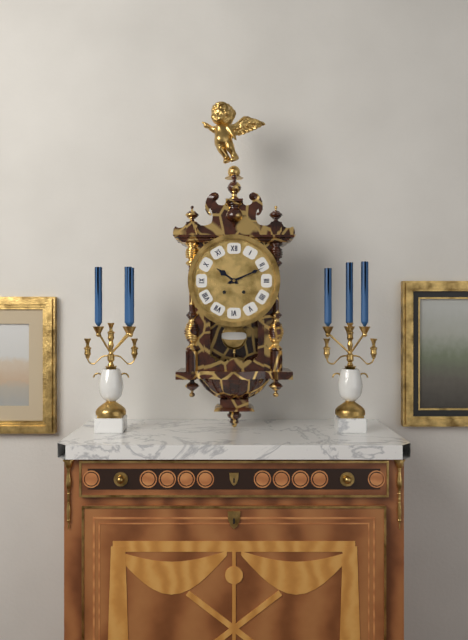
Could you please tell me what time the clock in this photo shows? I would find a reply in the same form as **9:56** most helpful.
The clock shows **10:11**
